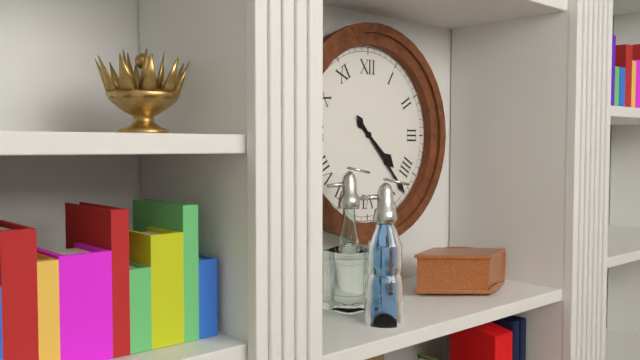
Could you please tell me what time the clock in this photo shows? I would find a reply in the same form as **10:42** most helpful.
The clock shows **4:23**
